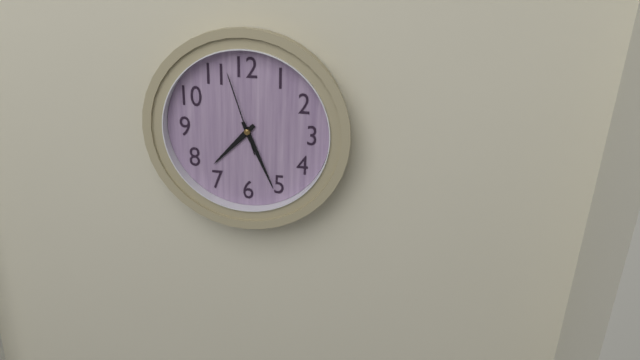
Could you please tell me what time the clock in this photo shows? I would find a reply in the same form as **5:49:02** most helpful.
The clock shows **7:26:57**
